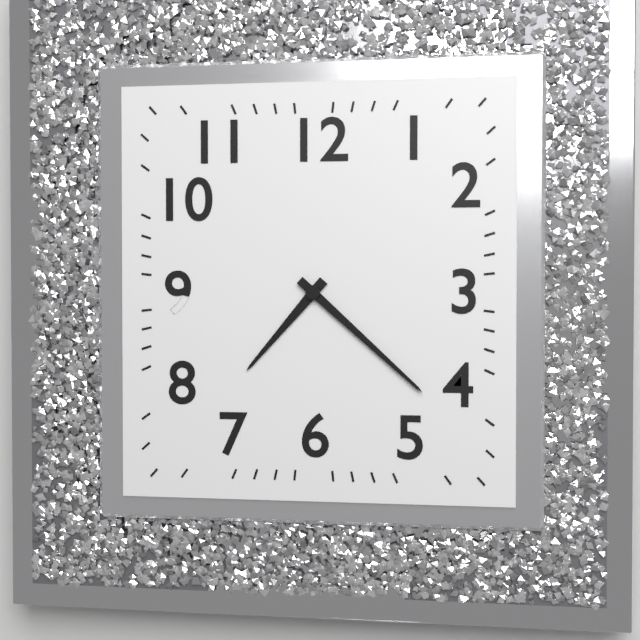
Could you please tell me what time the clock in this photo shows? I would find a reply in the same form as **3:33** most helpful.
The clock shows **7:22**
